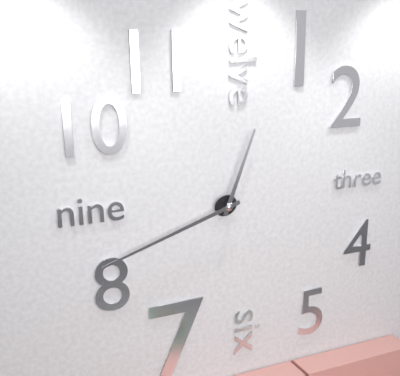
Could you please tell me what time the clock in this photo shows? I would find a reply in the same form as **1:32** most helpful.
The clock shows **12:42**
